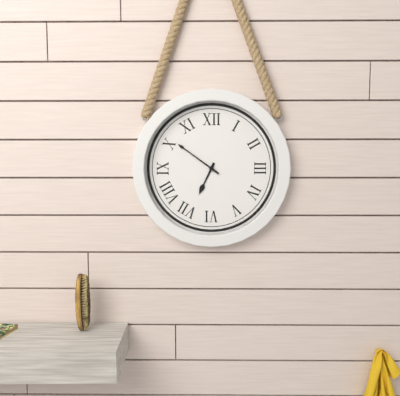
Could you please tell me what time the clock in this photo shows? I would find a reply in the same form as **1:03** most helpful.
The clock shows **6:51**
